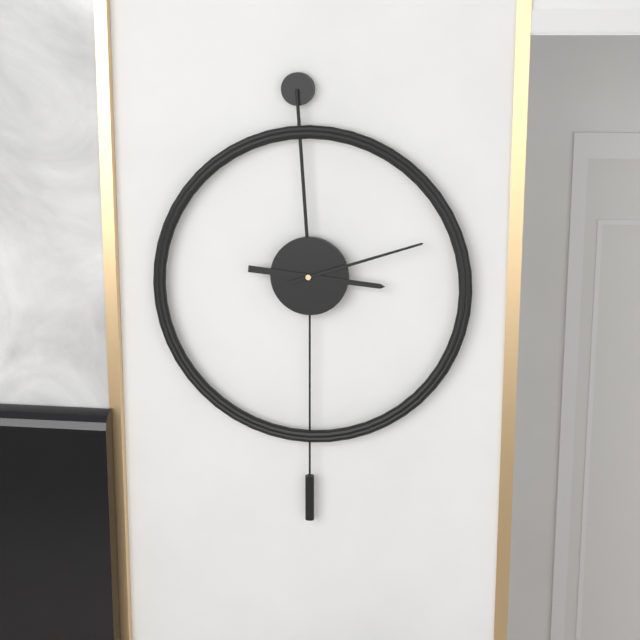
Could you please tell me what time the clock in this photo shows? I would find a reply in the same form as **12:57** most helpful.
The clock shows **3:12**
